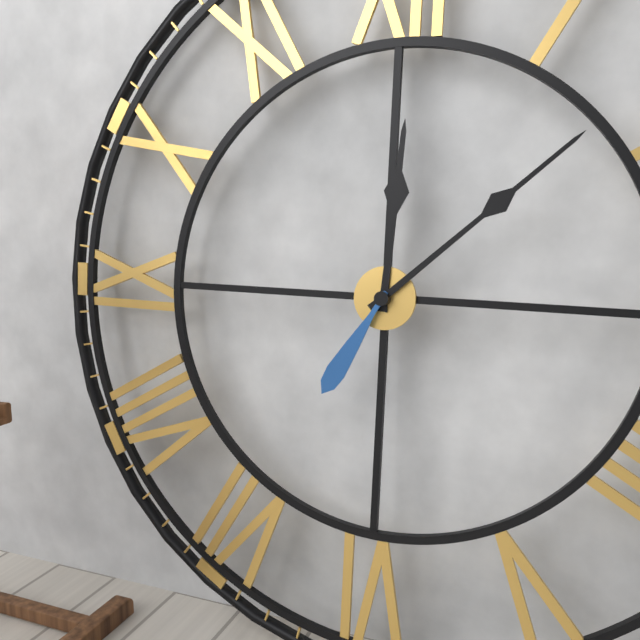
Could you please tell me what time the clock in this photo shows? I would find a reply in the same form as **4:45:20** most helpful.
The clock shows **12:08:35**
